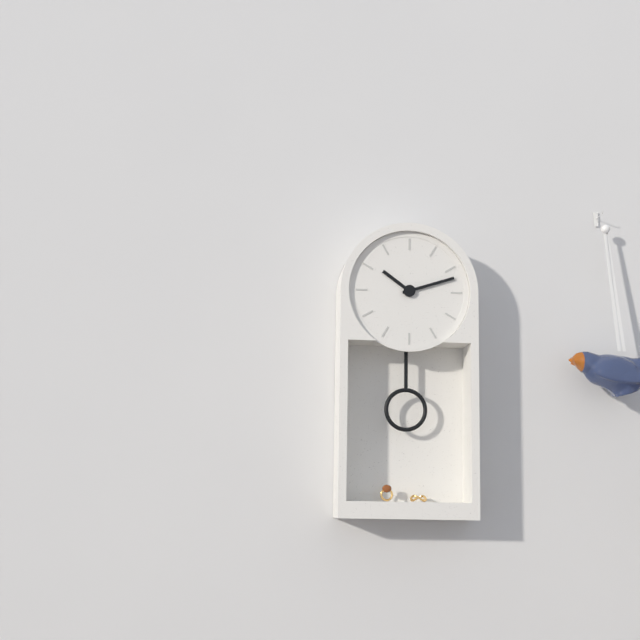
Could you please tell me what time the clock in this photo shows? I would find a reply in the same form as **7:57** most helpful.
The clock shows **10:12**
